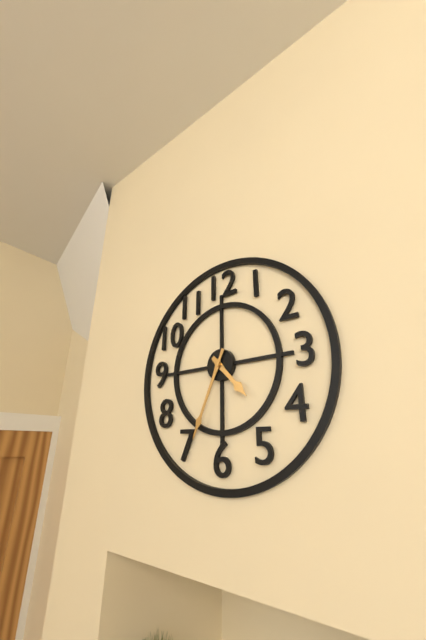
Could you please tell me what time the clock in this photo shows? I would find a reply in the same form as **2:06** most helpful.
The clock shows **4:34**
